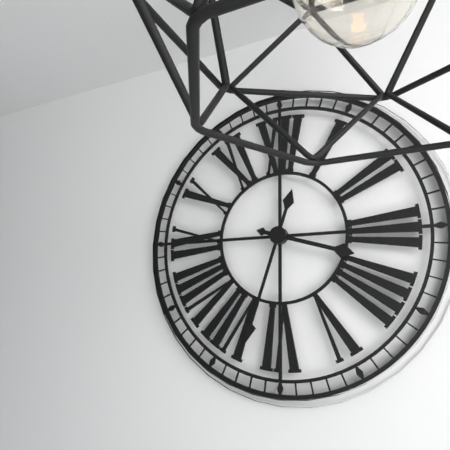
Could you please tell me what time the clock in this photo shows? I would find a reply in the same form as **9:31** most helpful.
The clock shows **3:33**
